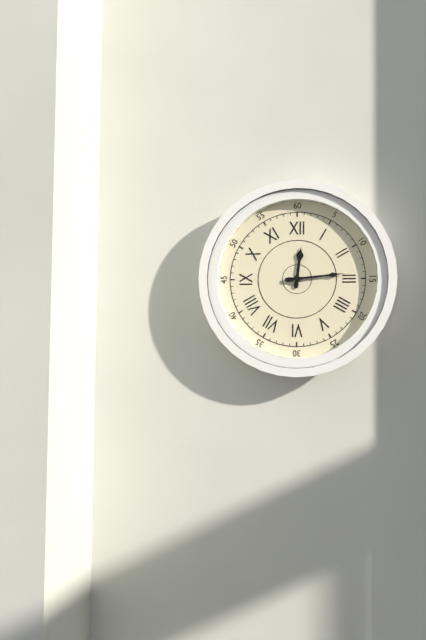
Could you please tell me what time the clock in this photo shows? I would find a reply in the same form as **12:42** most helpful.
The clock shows **12:14**
